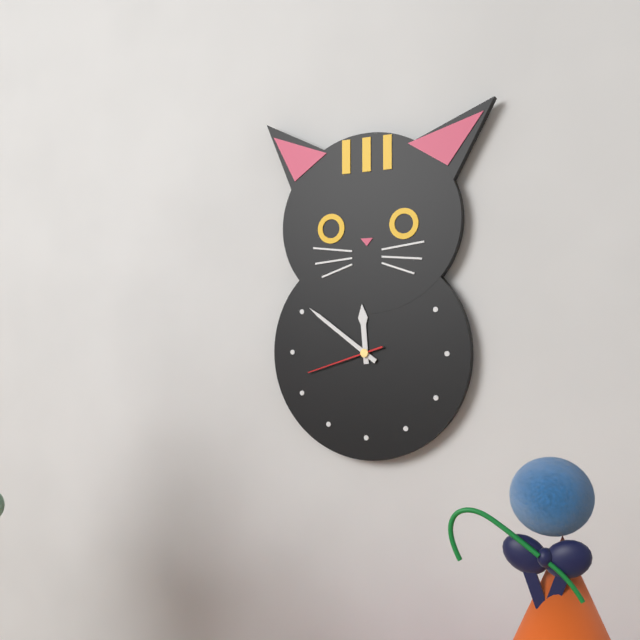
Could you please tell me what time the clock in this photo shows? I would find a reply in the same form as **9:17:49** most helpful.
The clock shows **11:51:42**
